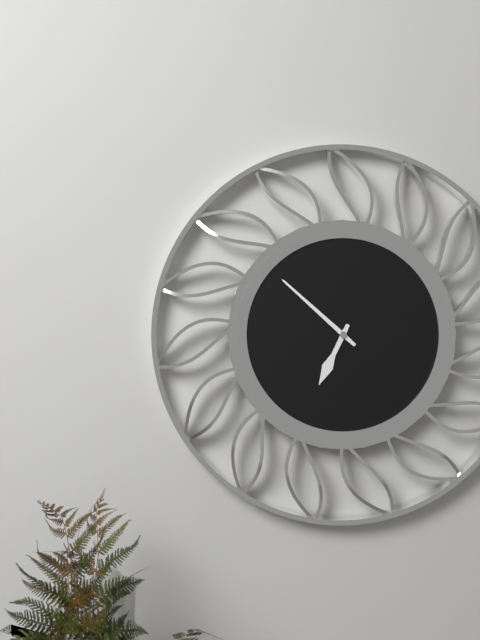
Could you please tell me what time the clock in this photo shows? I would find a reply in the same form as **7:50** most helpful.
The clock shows **6:52**
